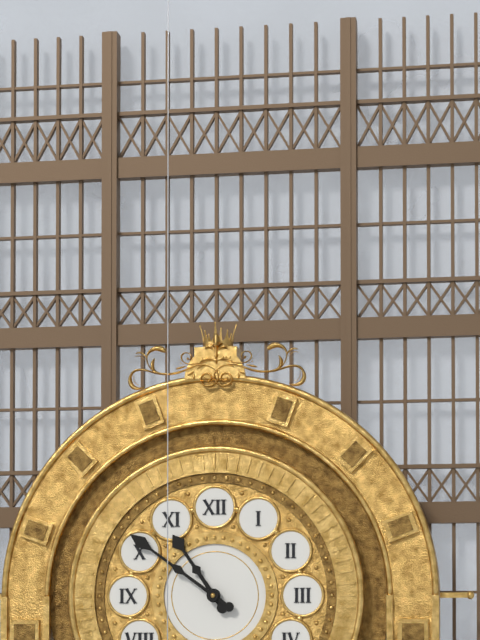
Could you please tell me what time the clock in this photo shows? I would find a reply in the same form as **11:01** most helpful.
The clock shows **10:51**
